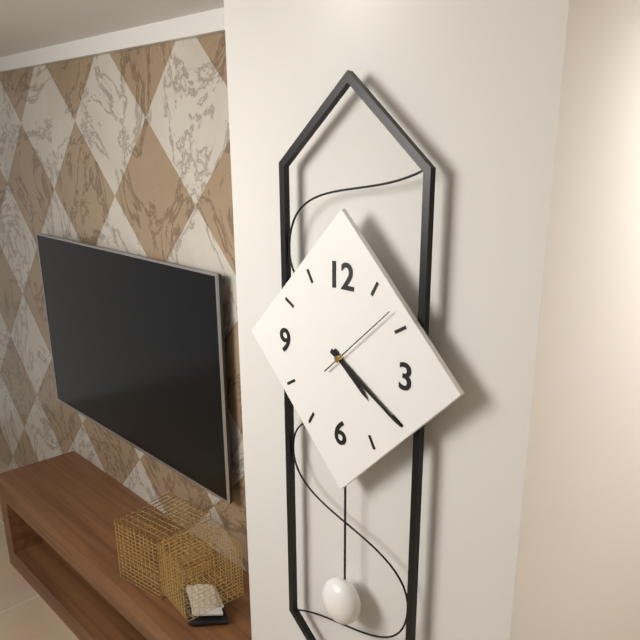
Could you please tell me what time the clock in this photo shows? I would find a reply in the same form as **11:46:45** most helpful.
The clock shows **4:20:08**
